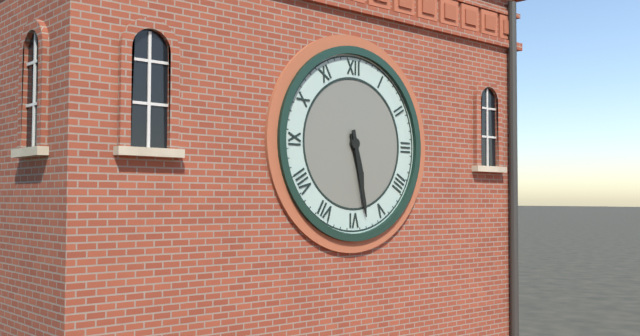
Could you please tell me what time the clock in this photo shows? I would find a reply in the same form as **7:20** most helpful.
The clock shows **5:28**
